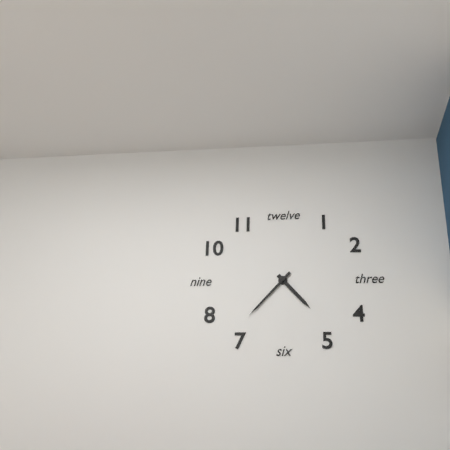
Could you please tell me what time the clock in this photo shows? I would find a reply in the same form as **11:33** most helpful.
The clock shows **4:37**
